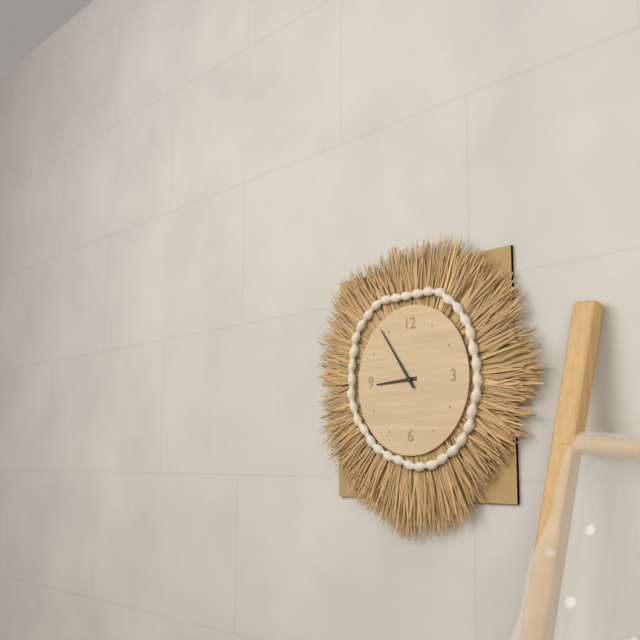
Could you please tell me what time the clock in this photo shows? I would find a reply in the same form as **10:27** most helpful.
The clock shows **8:54**
